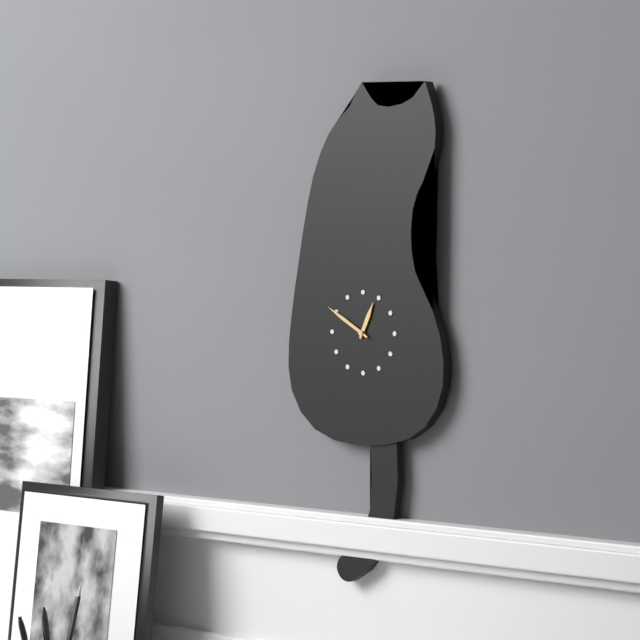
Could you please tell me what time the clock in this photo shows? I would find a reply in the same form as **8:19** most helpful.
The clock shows **12:50**
